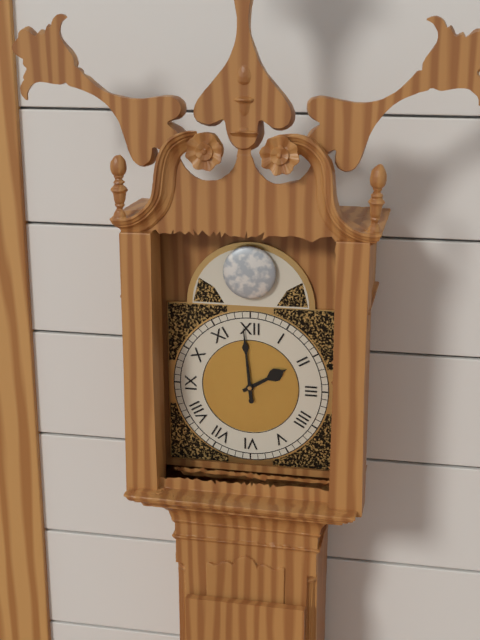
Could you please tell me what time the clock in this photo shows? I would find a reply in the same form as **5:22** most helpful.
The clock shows **1:59**
